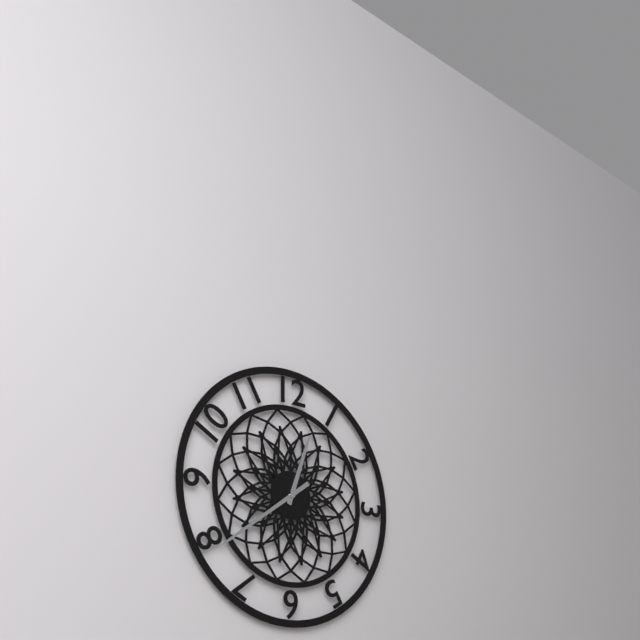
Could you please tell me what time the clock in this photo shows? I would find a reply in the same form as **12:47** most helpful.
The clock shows **12:39**
